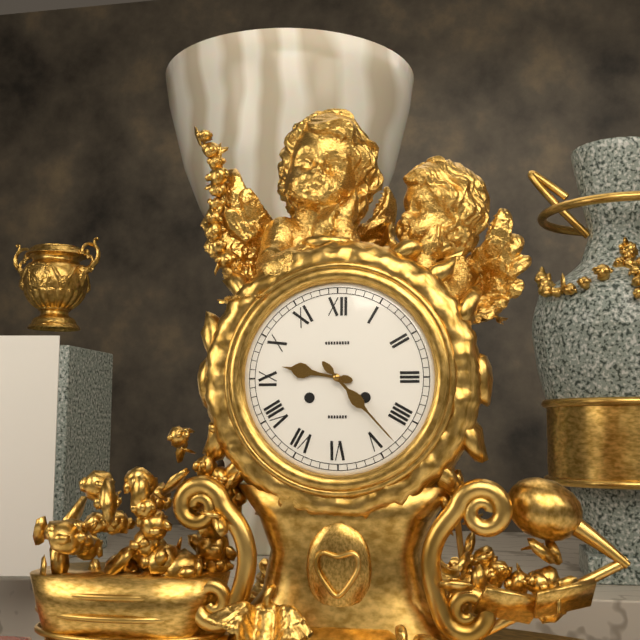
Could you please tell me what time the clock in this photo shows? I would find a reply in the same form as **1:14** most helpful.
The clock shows **9:23**
